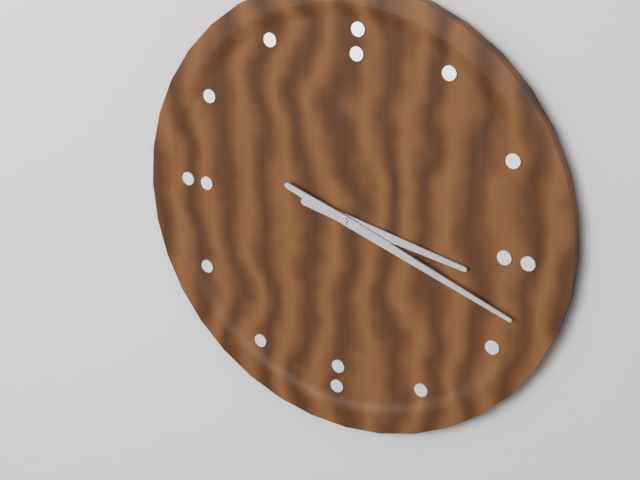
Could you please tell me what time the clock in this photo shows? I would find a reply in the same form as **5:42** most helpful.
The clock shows **3:18**
